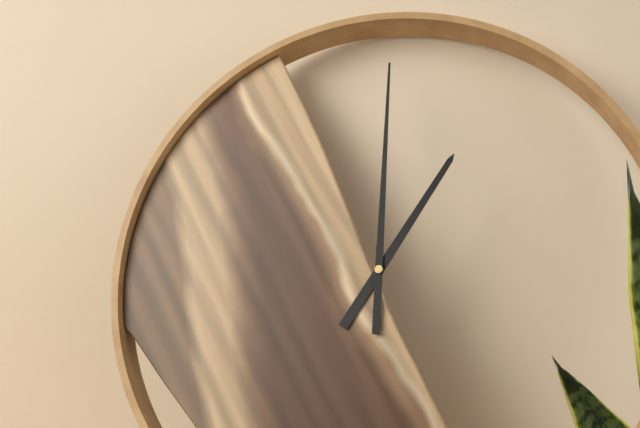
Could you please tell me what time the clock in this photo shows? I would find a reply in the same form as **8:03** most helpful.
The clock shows **1:00**
